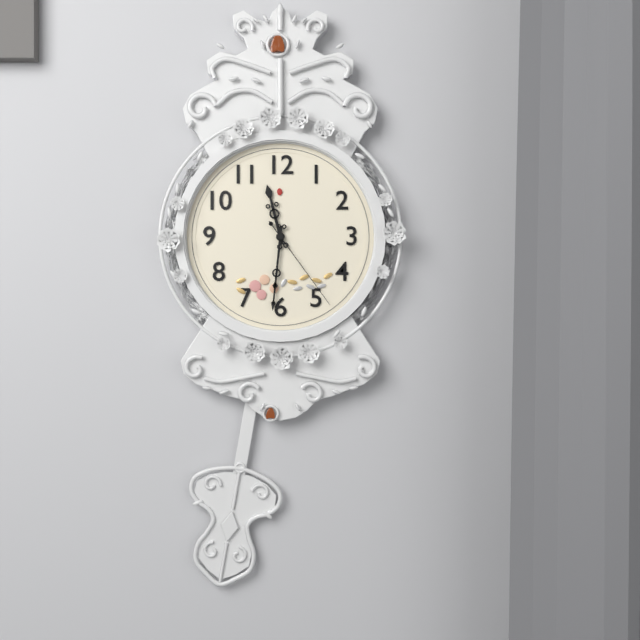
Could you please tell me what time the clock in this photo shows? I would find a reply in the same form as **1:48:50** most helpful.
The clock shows **11:31:24**
